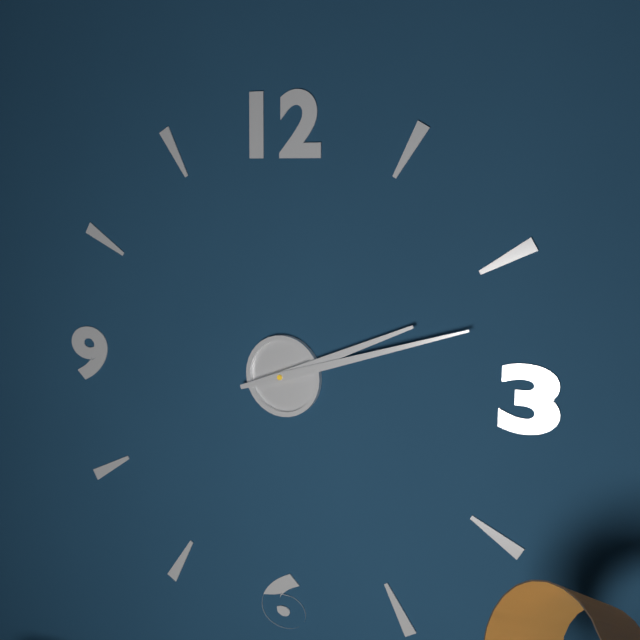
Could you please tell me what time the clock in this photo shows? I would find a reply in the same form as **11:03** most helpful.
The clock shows **2:12**
